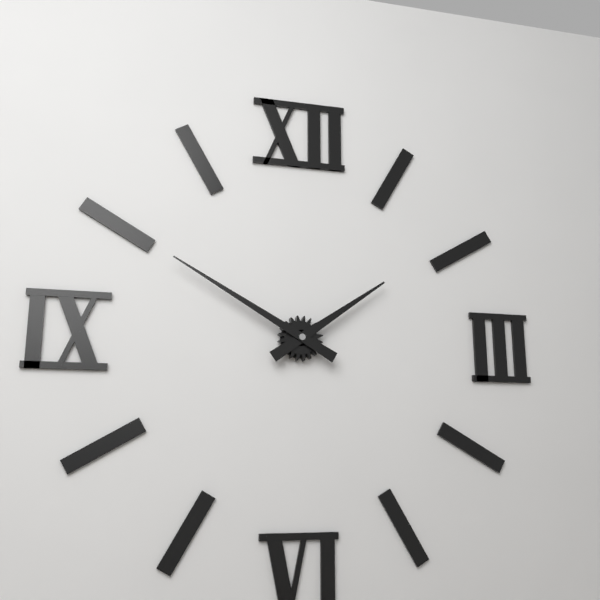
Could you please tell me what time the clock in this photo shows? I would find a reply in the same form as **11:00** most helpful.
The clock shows **1:50**
